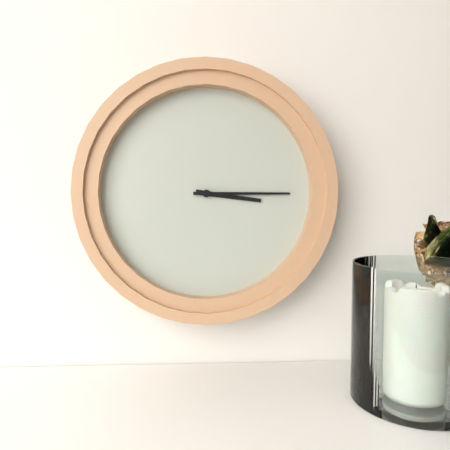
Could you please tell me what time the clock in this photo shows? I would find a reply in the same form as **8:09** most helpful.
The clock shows **3:15**
